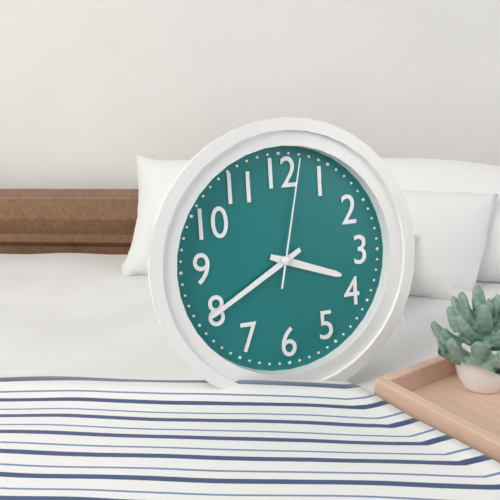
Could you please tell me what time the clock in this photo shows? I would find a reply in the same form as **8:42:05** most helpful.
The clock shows **3:40:02**
